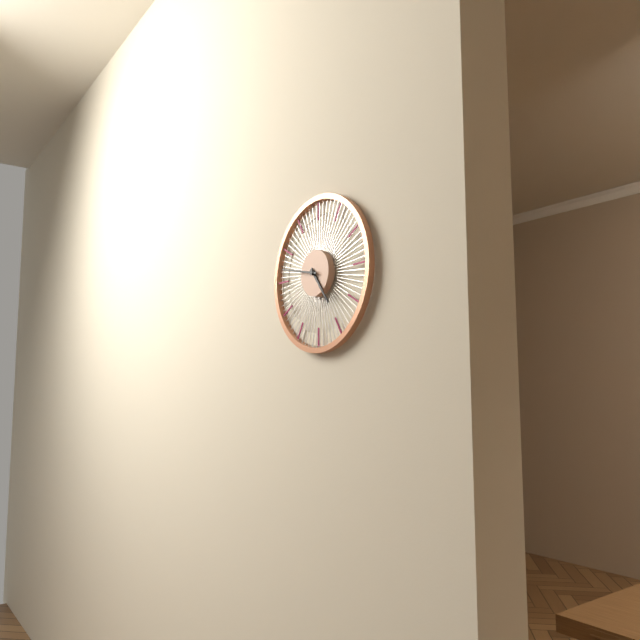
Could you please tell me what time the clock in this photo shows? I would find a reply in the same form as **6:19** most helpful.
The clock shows **4:47**
